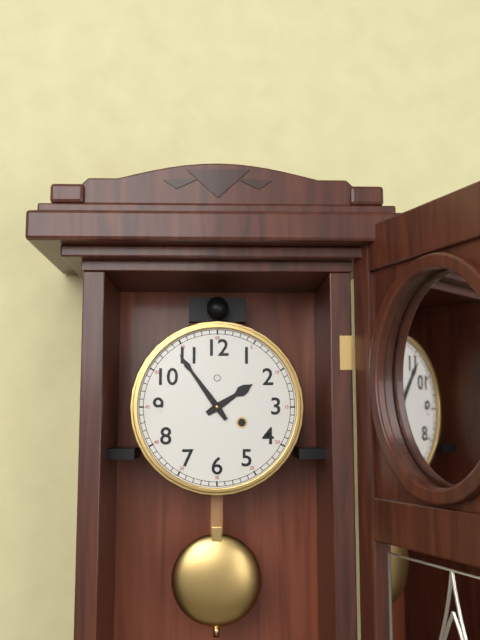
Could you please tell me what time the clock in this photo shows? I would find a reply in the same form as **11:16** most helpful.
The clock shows **1:54**
